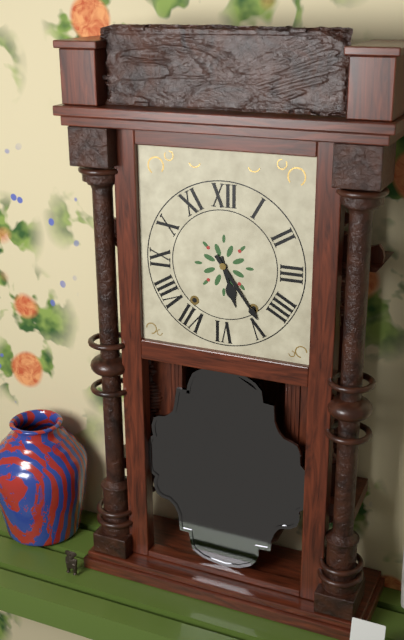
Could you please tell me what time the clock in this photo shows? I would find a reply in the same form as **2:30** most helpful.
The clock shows **5:24**
